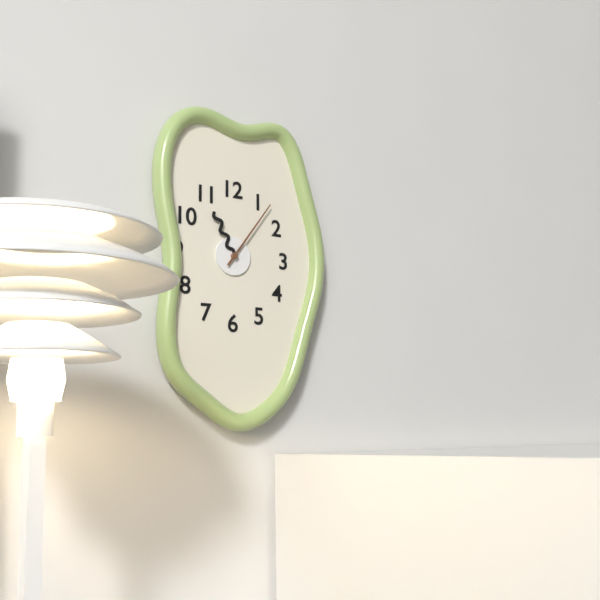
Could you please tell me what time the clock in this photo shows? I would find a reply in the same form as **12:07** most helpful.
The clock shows **11:06**
